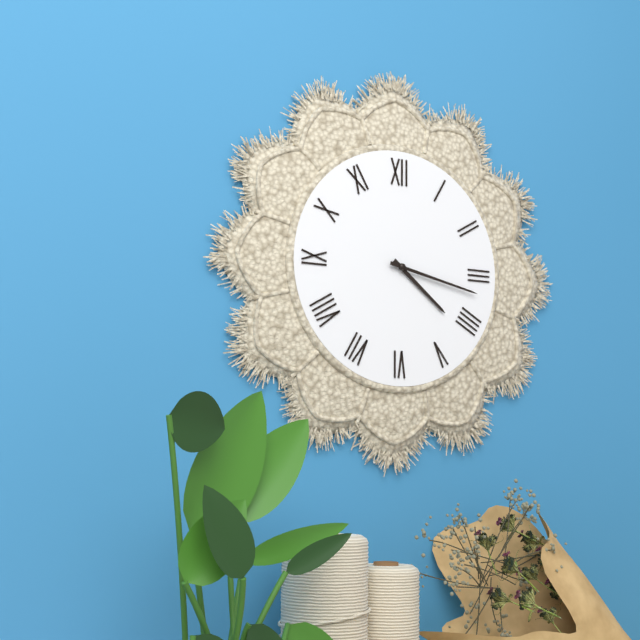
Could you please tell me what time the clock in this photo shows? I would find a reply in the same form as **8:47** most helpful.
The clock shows **4:17**
